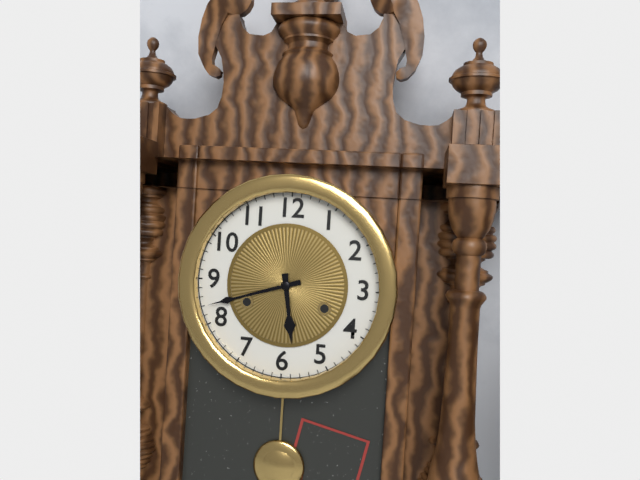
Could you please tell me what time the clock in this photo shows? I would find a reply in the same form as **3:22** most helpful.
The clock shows **5:42**
